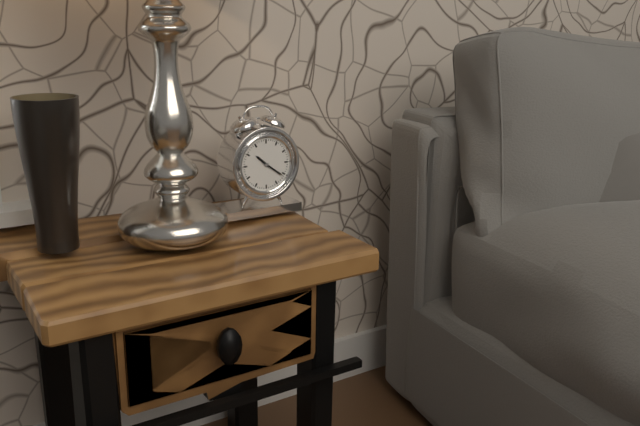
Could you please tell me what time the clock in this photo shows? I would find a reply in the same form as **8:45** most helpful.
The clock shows **10:21**
